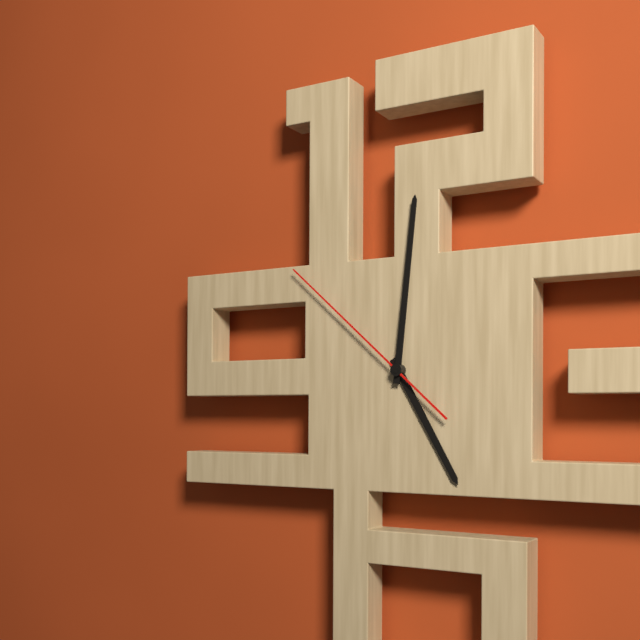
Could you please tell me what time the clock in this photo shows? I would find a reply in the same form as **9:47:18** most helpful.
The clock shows **5:01:52**
